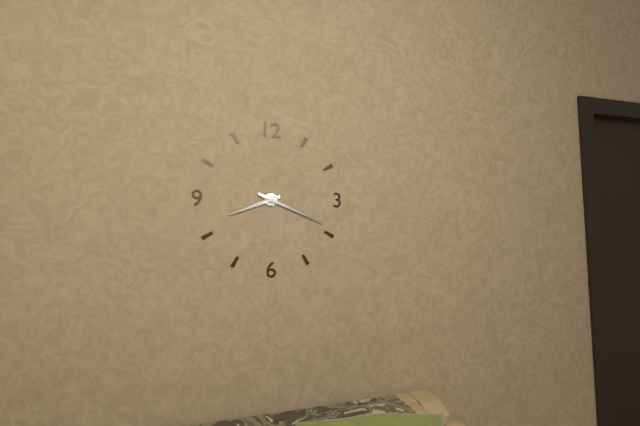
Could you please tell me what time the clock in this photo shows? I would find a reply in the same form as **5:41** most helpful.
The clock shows **8:19**
